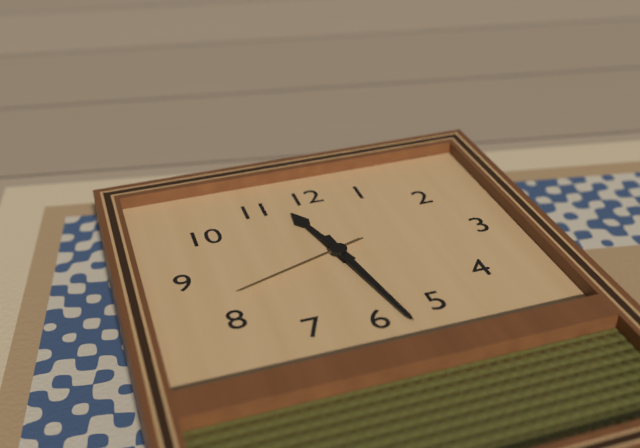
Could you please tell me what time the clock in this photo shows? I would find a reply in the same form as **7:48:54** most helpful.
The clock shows **11:28:42**
